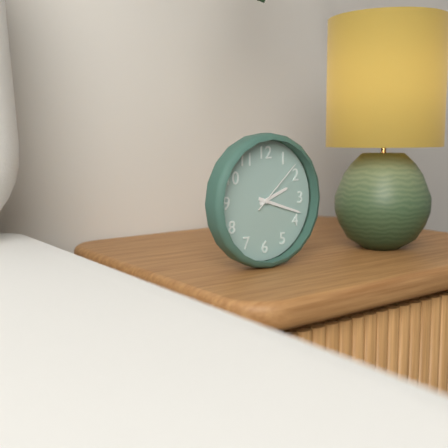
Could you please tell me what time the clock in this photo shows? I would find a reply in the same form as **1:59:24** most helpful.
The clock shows **2:18:08**
